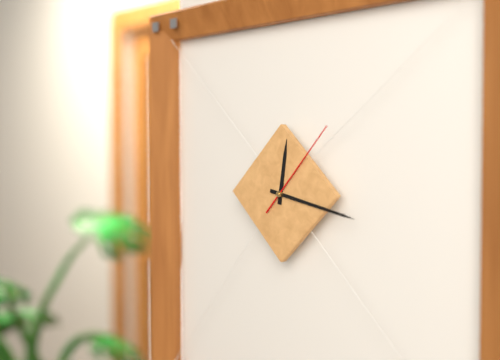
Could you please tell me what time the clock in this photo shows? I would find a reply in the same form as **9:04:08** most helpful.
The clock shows **12:17:07**
